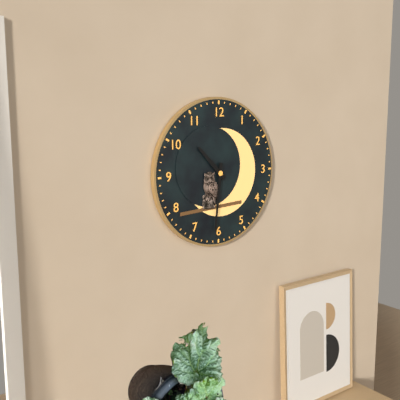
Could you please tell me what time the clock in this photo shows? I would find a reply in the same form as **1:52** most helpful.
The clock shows **10:31**
